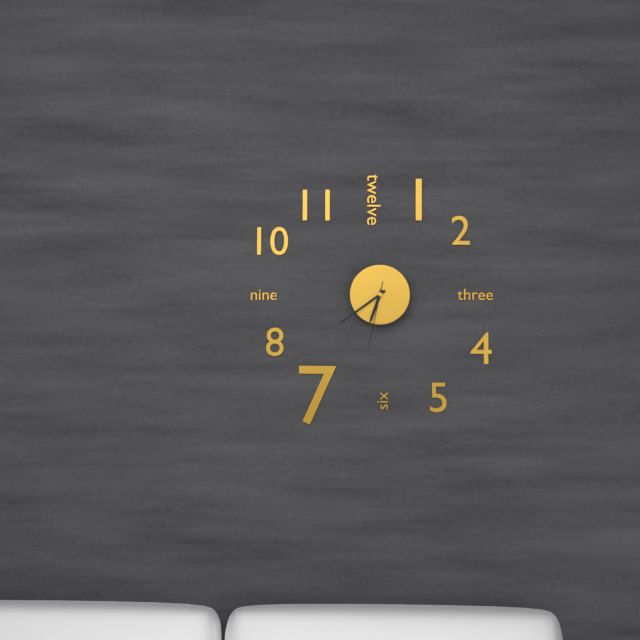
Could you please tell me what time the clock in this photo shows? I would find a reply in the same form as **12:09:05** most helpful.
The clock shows **6:39:32**
